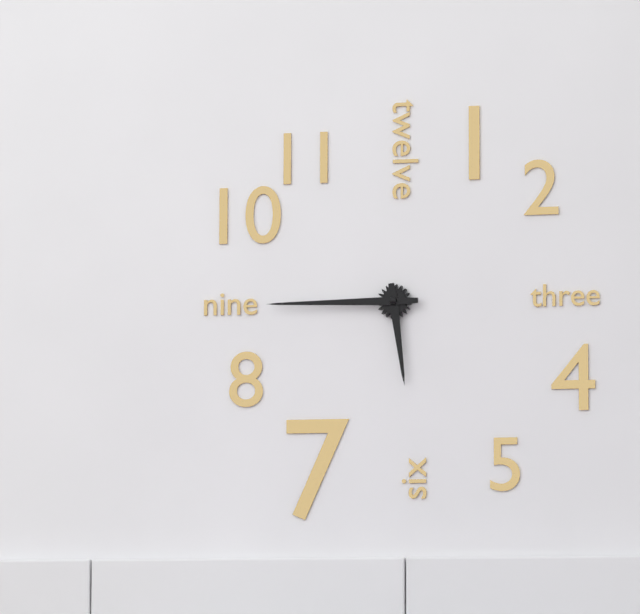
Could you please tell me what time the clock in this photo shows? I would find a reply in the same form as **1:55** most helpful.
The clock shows **5:45**
